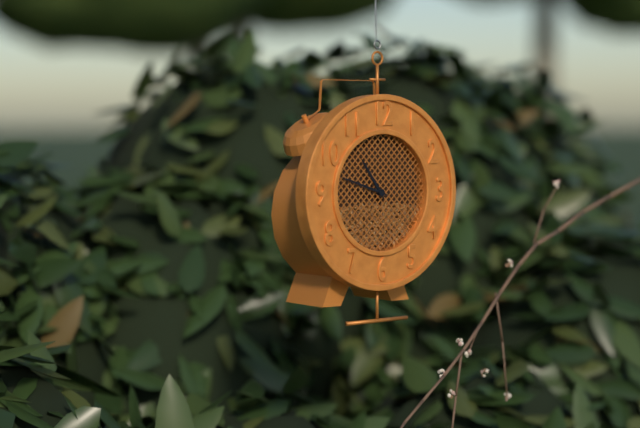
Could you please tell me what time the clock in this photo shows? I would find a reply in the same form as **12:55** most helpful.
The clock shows **10:48**
